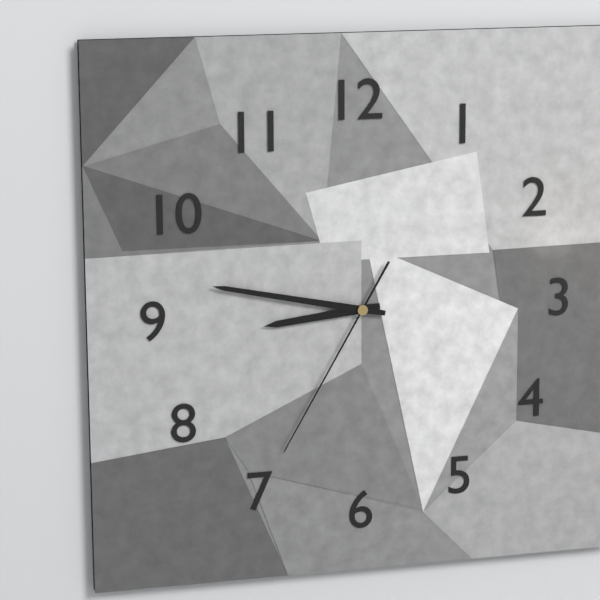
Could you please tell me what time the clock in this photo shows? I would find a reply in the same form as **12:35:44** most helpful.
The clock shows **8:47:35**
